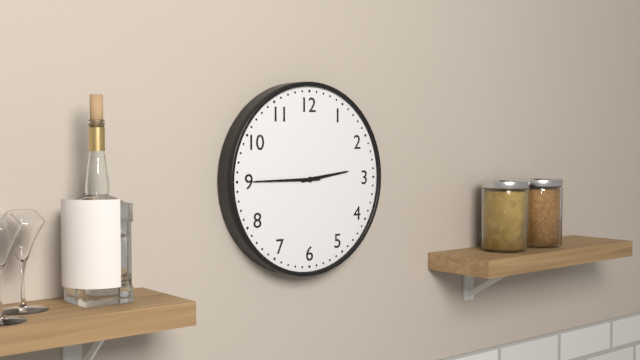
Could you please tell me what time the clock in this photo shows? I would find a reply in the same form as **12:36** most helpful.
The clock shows **2:45**
